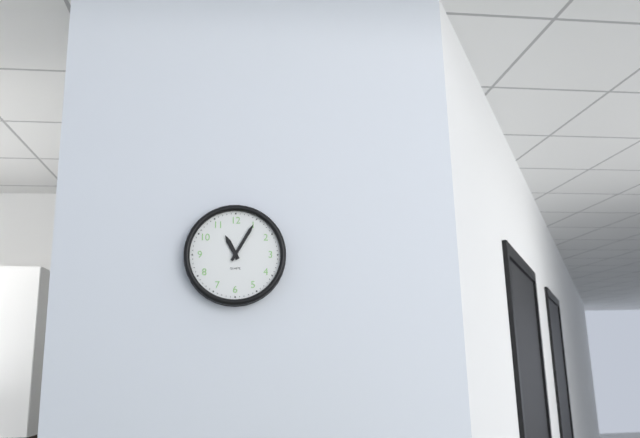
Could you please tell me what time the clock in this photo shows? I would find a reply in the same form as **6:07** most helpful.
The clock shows **11:05**
